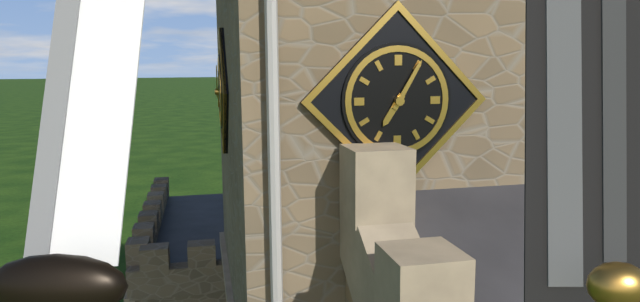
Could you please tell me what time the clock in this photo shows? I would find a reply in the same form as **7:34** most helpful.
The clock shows **7:05**
